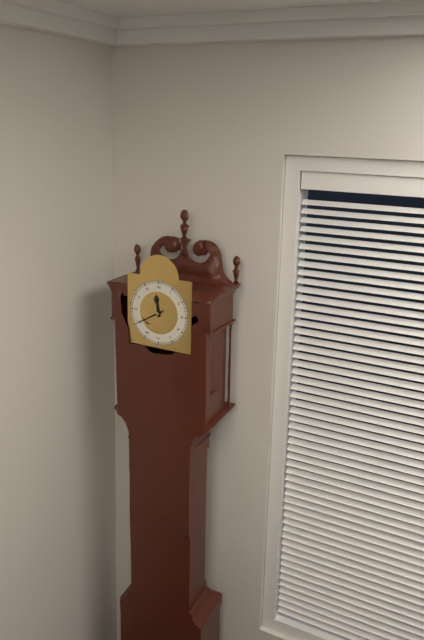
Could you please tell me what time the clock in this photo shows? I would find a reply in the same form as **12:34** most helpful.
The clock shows **11:40**
